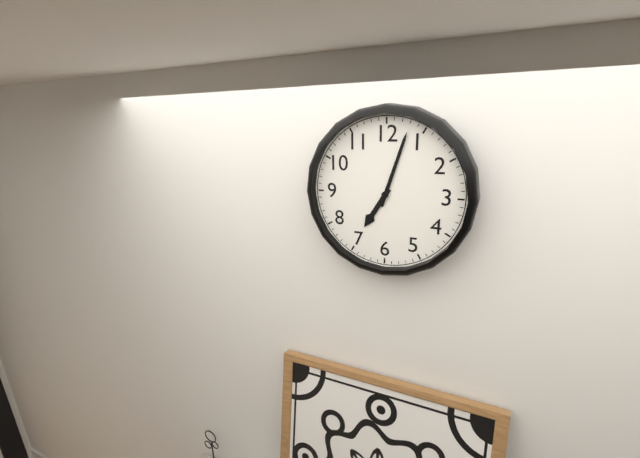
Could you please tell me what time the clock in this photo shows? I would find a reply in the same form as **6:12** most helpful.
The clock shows **7:03**
